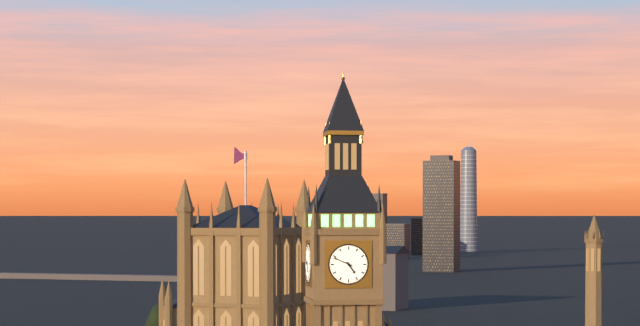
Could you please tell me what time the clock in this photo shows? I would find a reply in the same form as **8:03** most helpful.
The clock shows **4:49**
